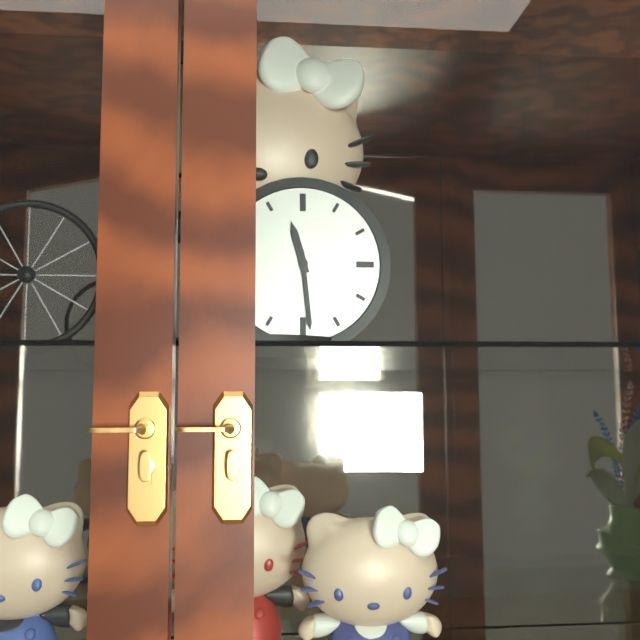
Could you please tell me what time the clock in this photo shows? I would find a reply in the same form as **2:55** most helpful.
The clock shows **11:29**
